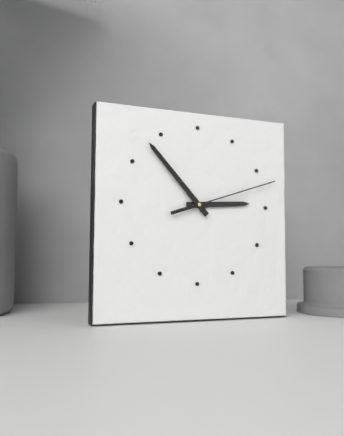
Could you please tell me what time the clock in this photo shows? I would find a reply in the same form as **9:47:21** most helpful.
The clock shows **2:53:12**
